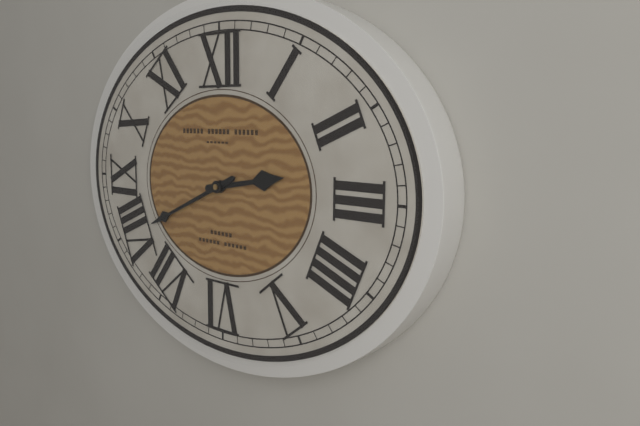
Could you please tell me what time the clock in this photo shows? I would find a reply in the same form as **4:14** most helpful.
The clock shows **2:41**
